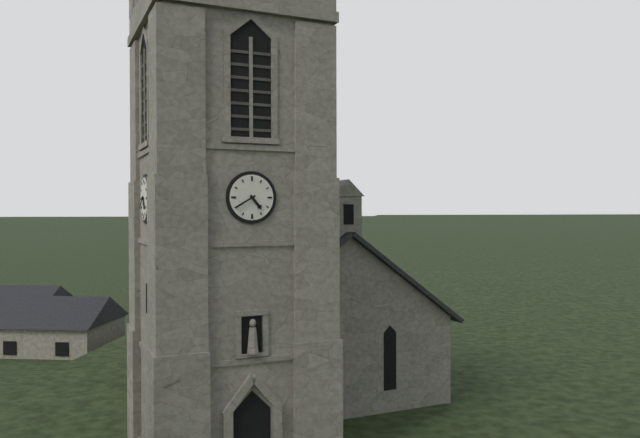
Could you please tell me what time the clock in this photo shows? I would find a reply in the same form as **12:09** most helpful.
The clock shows **4:40**
